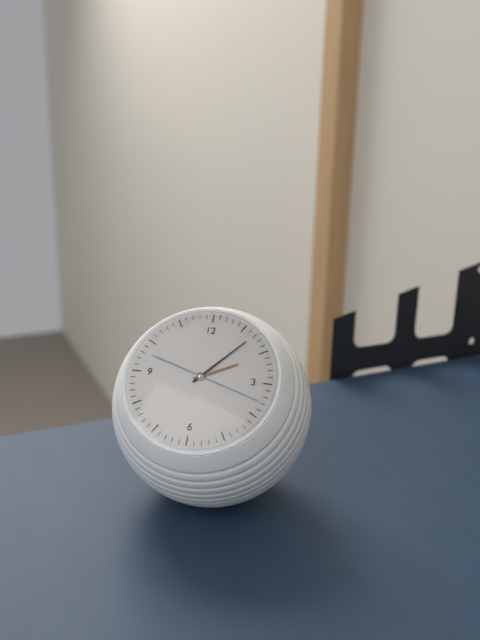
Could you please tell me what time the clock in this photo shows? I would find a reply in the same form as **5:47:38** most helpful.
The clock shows **2:07:18**
